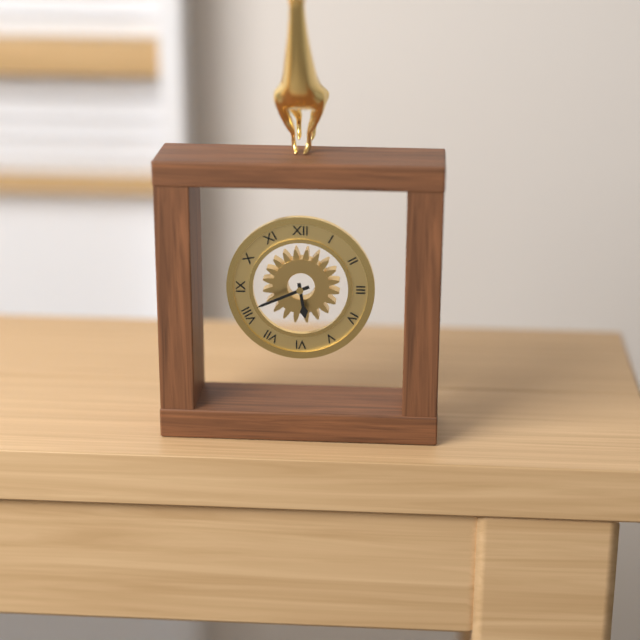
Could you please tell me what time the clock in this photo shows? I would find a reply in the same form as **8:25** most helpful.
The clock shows **5:41**
